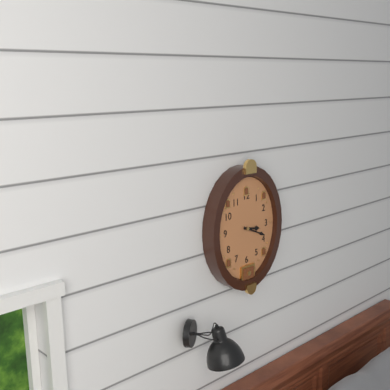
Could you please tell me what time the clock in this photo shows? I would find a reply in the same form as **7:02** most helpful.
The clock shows **3:19**
